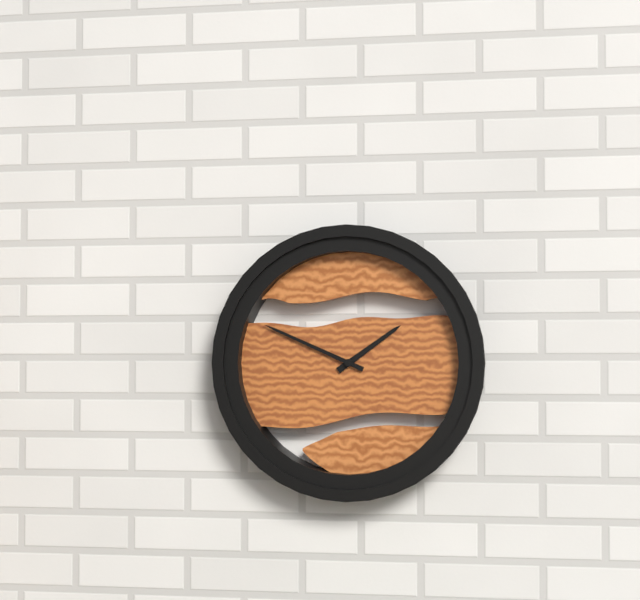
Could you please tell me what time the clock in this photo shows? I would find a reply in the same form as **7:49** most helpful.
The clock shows **1:49**
